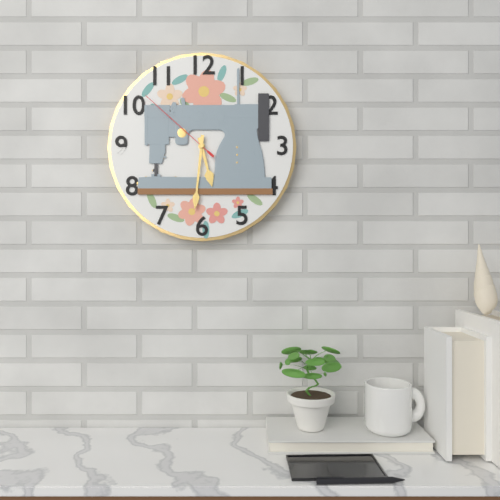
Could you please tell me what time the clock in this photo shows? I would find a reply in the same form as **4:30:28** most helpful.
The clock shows **5:31:52**
